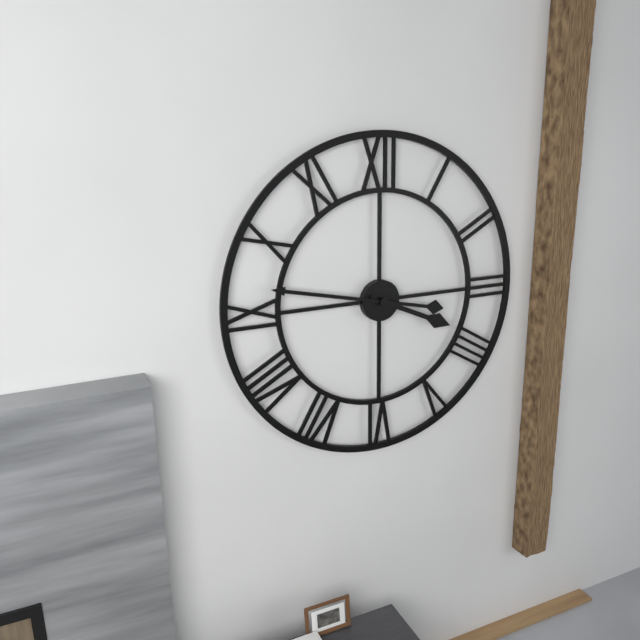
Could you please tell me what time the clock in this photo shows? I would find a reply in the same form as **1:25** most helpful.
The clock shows **3:47**
